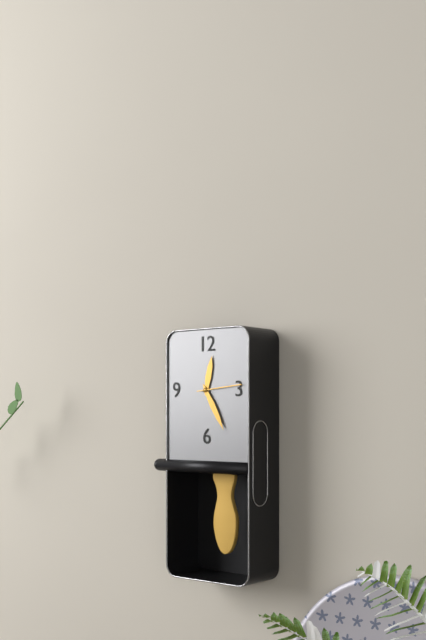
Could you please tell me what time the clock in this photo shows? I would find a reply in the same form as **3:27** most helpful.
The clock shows **12:25**
